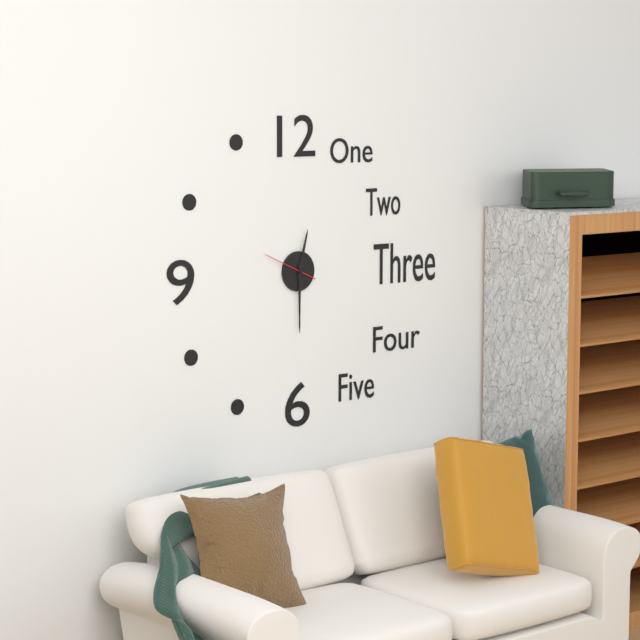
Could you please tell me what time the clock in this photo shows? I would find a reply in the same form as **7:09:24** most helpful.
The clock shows **12:30:49**
